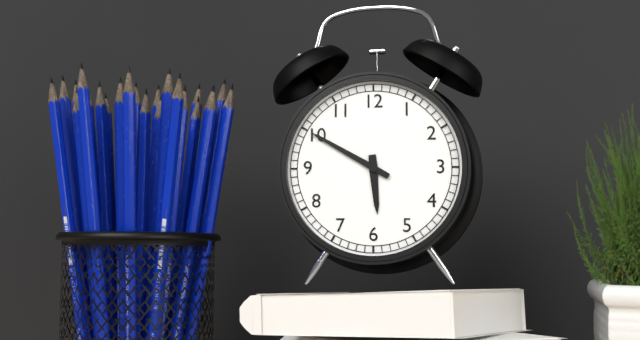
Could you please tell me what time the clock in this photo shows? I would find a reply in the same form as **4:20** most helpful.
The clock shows **5:50**
